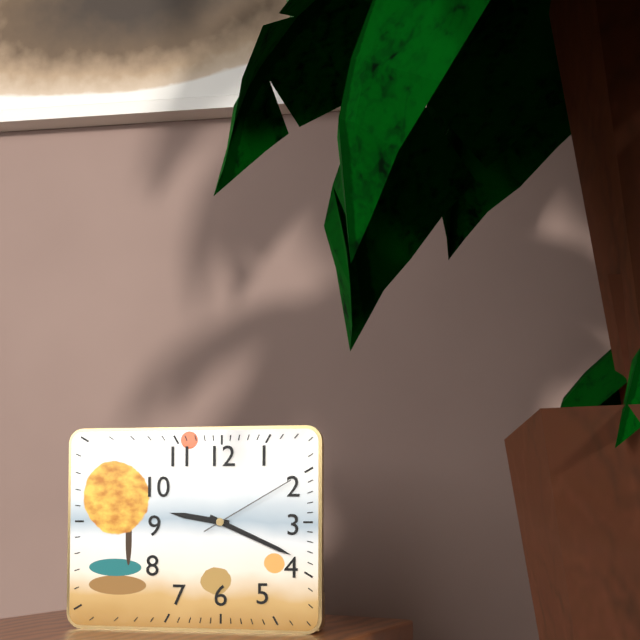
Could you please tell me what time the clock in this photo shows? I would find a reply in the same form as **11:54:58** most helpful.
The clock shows **9:19:10**
